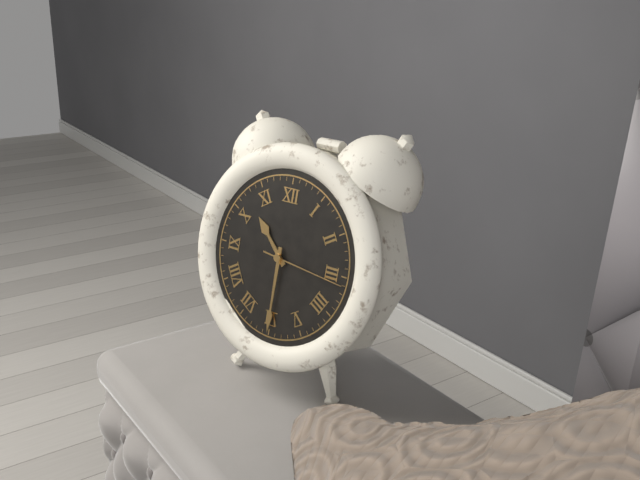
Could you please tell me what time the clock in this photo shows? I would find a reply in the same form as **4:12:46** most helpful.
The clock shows **10:30:16**
